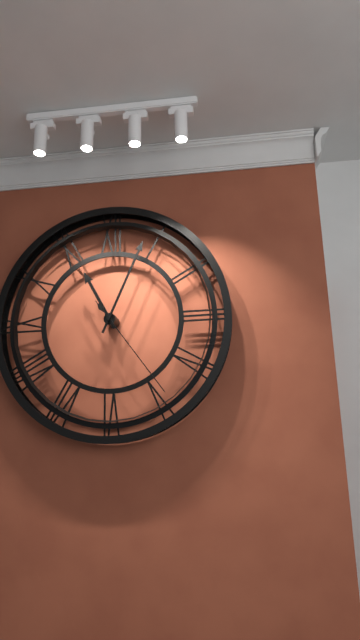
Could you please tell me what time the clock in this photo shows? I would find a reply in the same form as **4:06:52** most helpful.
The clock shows **11:04:24**
